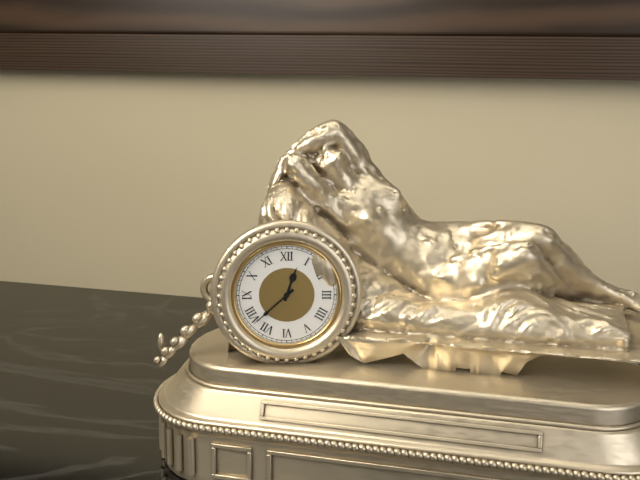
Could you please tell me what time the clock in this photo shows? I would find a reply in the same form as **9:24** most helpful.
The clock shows **12:38**
